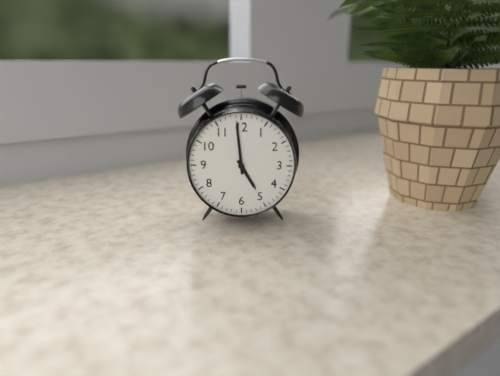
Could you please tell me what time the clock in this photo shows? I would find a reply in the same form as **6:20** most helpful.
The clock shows **4:59**
